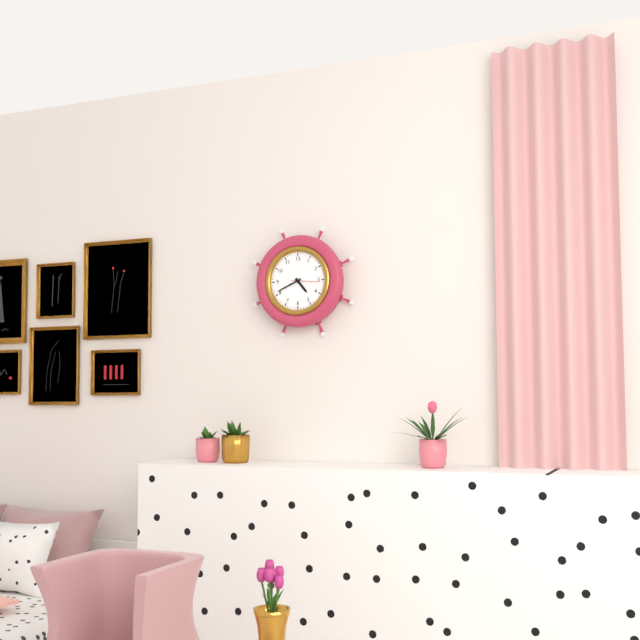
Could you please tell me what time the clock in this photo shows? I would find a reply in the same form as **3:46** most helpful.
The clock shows **4:41**
